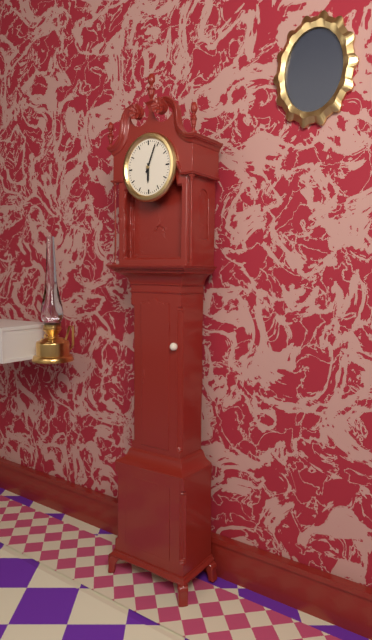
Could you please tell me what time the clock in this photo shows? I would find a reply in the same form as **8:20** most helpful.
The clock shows **6:04**
